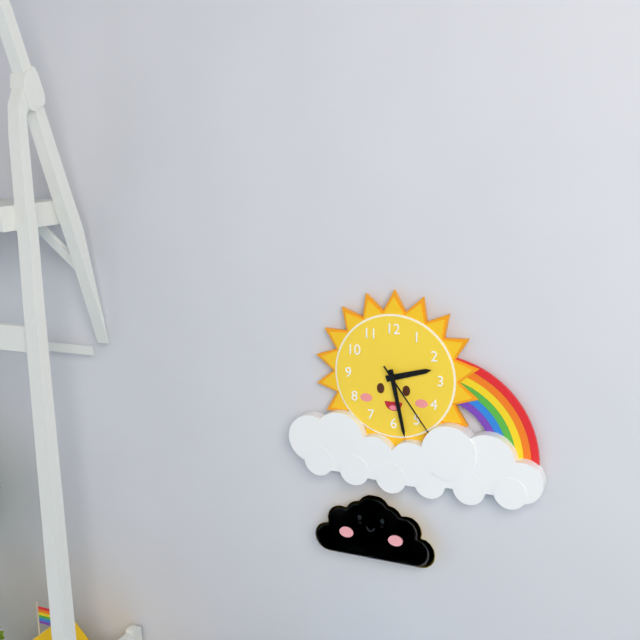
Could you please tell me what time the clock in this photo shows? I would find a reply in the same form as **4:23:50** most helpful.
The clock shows **2:28:24**
